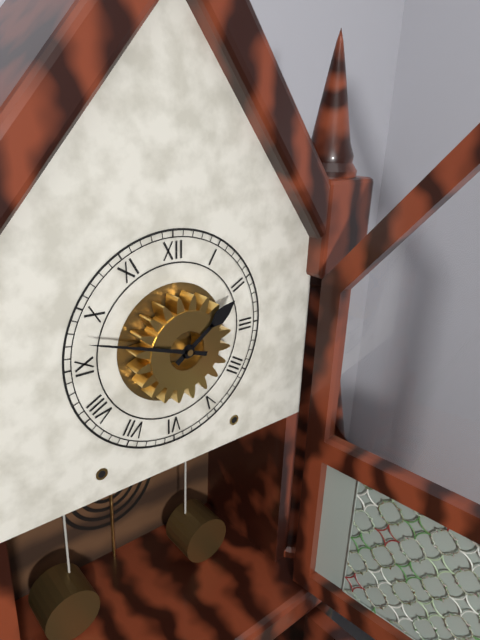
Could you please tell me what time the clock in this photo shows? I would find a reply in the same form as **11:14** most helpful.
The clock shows **1:48**
